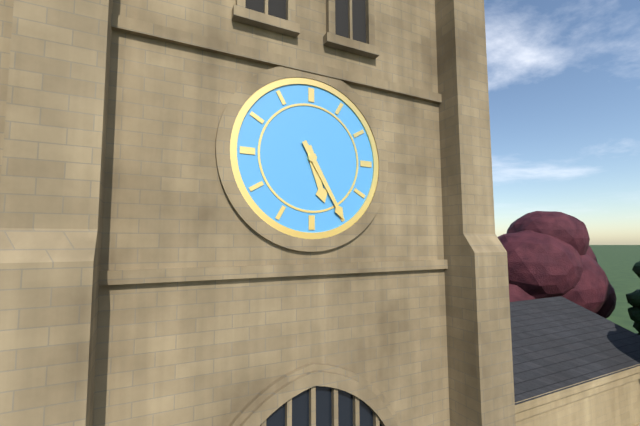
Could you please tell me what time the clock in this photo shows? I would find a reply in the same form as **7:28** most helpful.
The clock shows **5:25**
